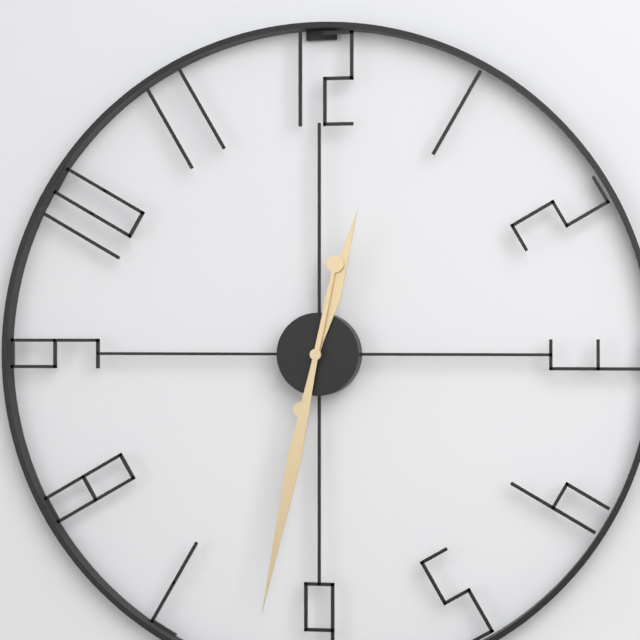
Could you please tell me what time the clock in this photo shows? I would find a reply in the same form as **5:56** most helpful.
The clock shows **12:32**
